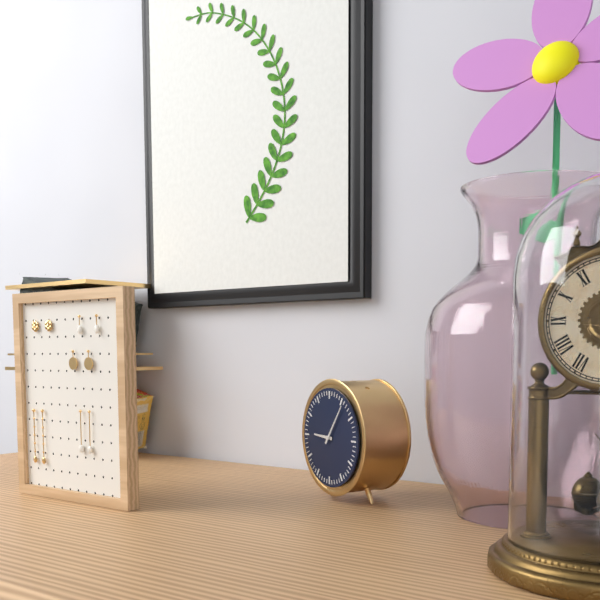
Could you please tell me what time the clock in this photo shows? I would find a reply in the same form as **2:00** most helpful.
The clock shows **9:06**
